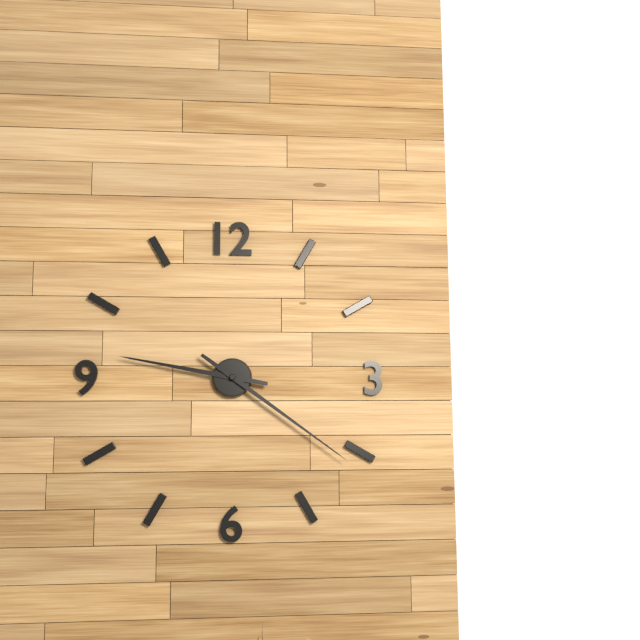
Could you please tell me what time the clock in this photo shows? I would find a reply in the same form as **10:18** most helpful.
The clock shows **9:21**
